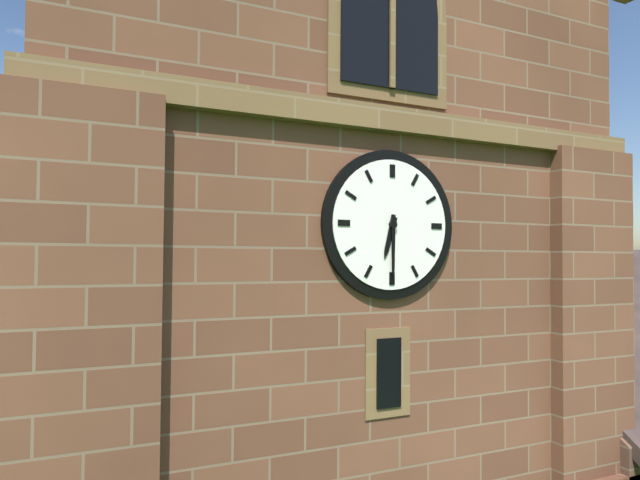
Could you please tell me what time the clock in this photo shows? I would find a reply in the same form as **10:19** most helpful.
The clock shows **6:30**
